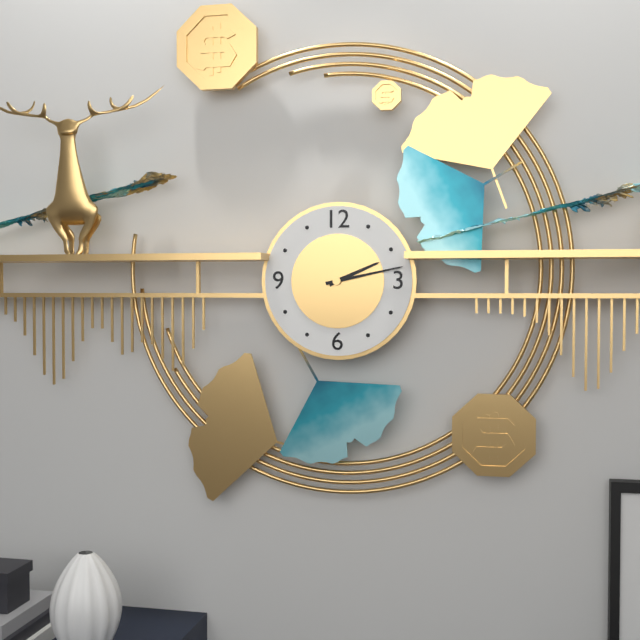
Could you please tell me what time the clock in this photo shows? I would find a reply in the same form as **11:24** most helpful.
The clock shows **2:13**
